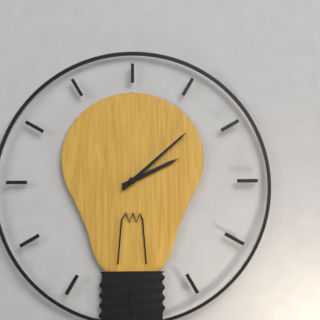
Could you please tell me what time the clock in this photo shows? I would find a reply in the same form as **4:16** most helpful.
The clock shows **2:08**
